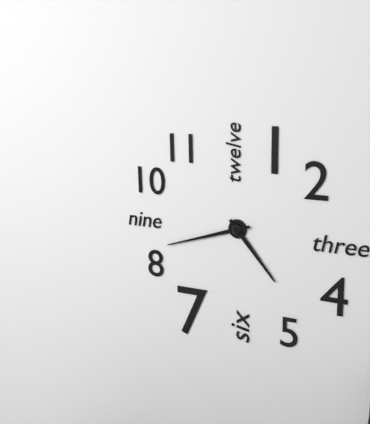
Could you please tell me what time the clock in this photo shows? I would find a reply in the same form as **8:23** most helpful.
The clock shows **4:42**
